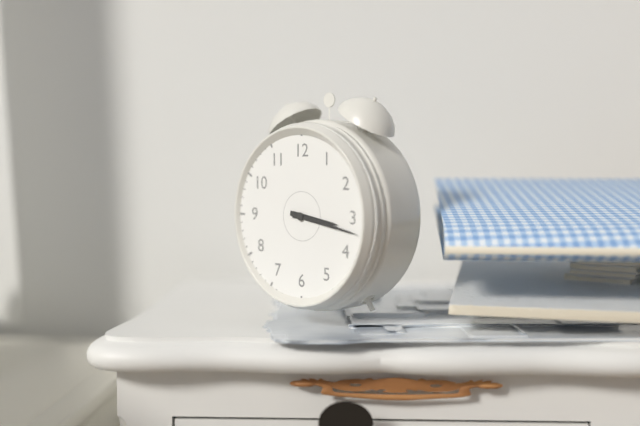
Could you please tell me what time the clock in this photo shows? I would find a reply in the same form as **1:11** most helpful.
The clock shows **3:17**
